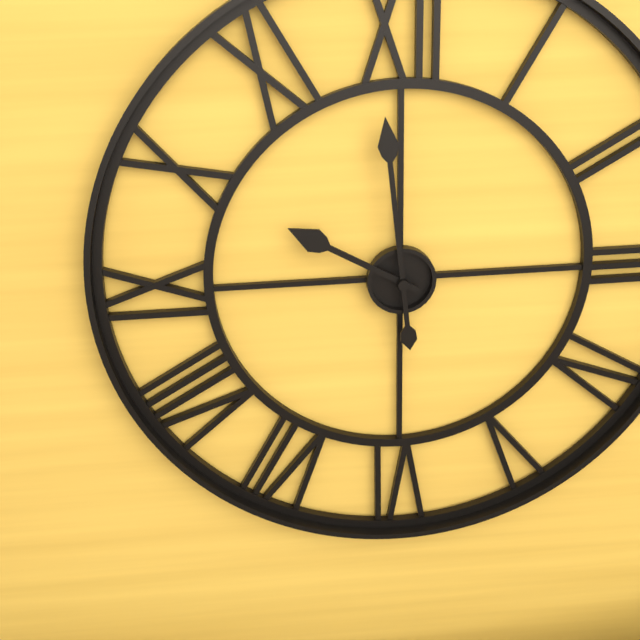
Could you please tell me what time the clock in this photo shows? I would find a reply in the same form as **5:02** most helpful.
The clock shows **9:59**
